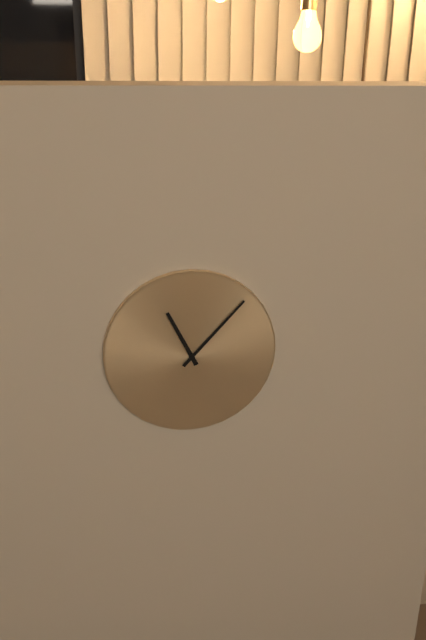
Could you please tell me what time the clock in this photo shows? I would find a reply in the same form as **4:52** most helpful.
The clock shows **11:07**
